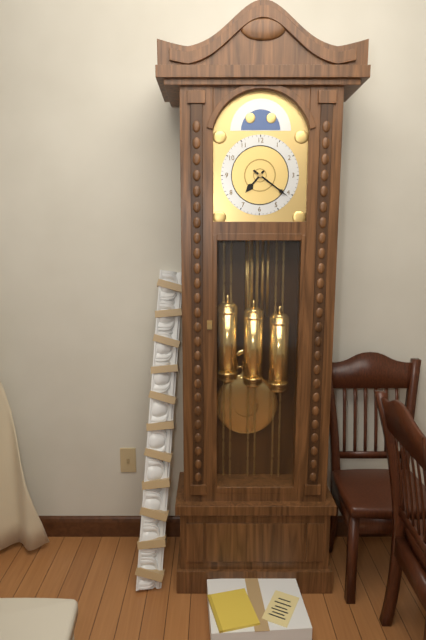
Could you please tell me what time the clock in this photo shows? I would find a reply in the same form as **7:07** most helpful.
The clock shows **7:21**
